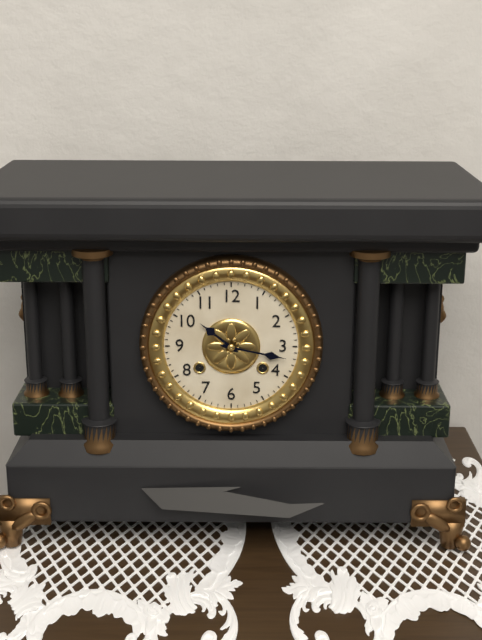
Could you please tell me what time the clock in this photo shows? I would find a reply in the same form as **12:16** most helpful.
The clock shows **10:17**
